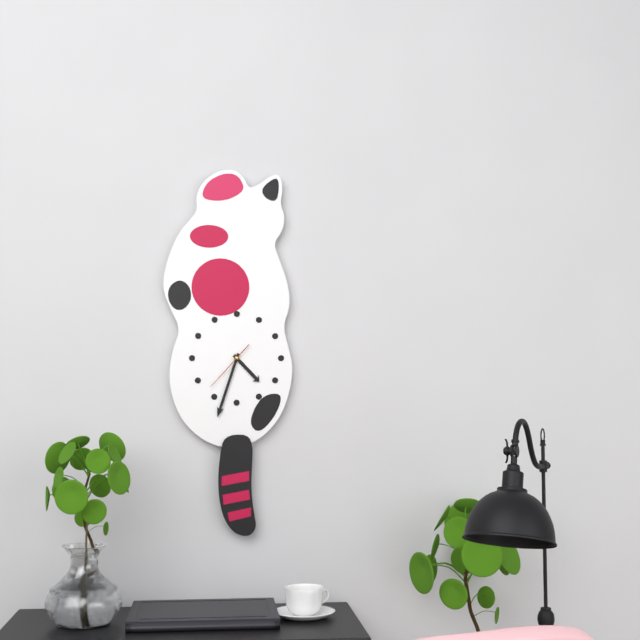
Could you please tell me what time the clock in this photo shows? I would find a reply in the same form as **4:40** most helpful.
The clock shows **4:33**
